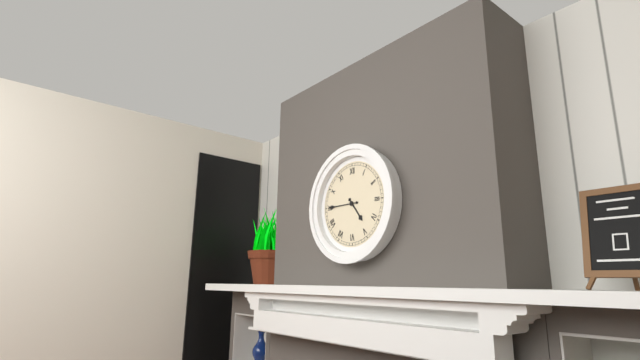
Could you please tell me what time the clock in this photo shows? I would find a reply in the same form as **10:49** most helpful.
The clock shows **4:45**
